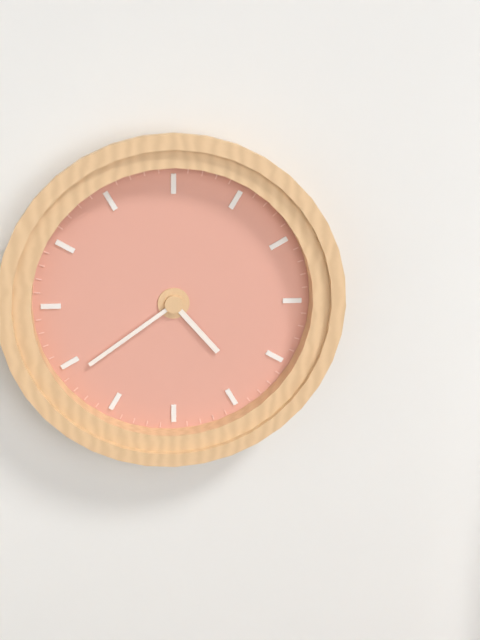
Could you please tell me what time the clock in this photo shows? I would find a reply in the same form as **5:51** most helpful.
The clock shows **4:39**
